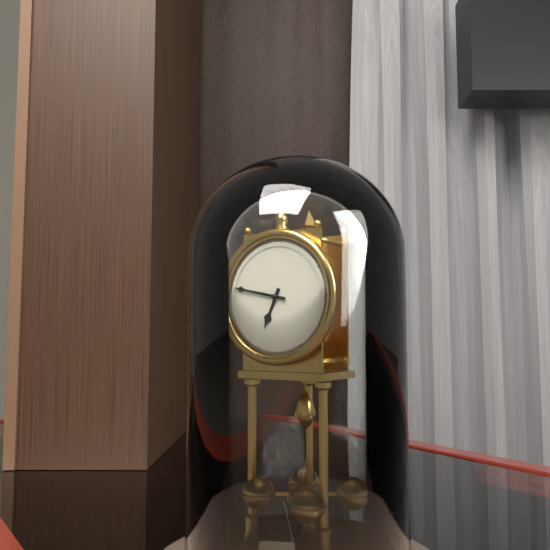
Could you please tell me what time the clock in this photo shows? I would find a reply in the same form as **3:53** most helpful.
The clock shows **6:47**
